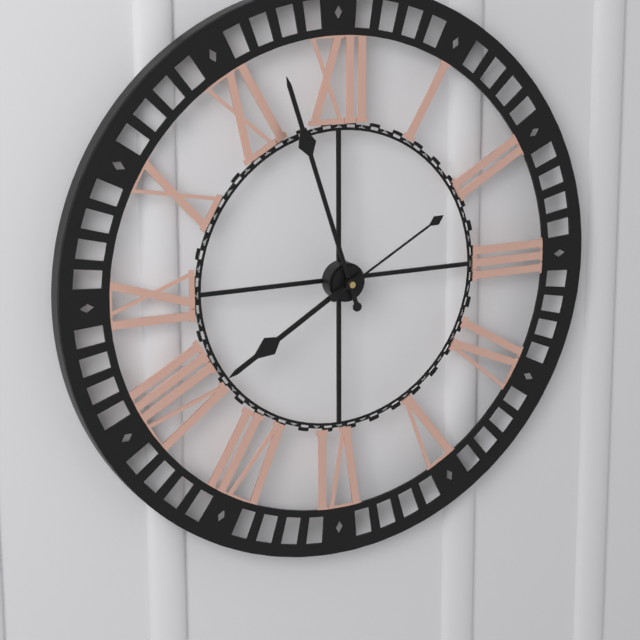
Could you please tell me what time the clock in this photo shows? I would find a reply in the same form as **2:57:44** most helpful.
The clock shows **7:57:10**
